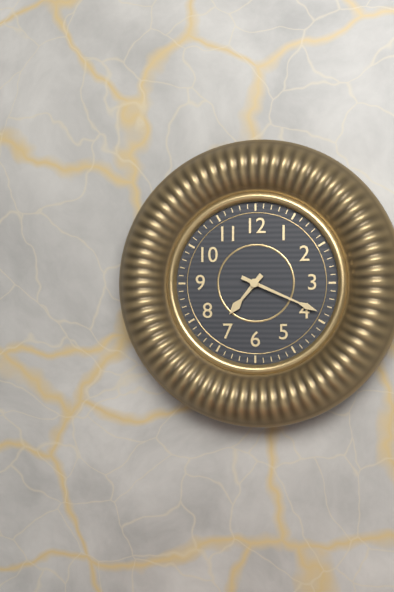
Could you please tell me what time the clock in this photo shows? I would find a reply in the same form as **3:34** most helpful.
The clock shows **7:19**
